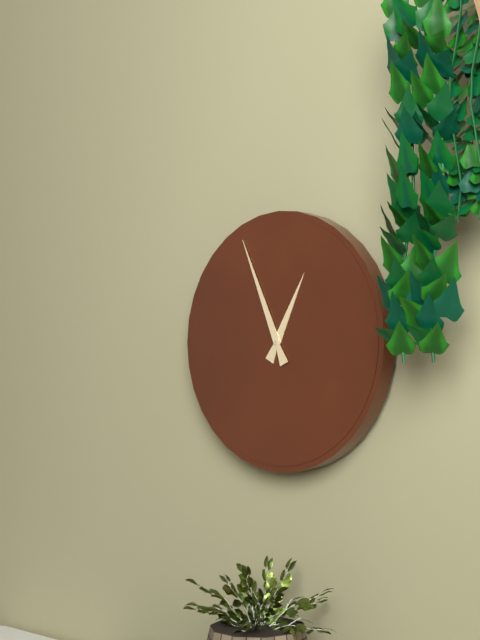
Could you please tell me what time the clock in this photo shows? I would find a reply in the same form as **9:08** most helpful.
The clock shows **12:56**
